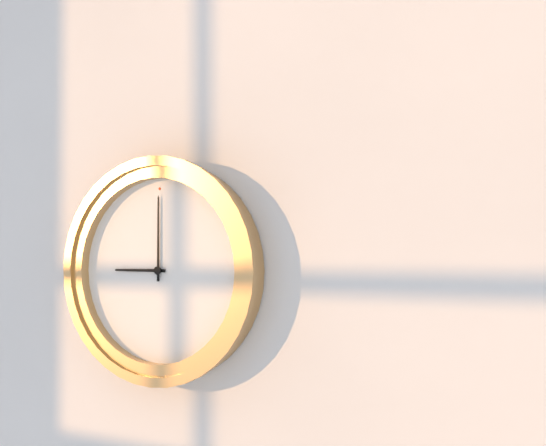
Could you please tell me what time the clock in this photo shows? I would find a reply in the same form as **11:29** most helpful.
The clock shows **9:00**
